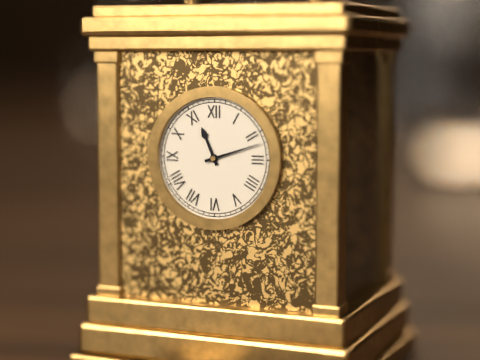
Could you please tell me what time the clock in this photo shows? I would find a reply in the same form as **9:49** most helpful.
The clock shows **11:12**
